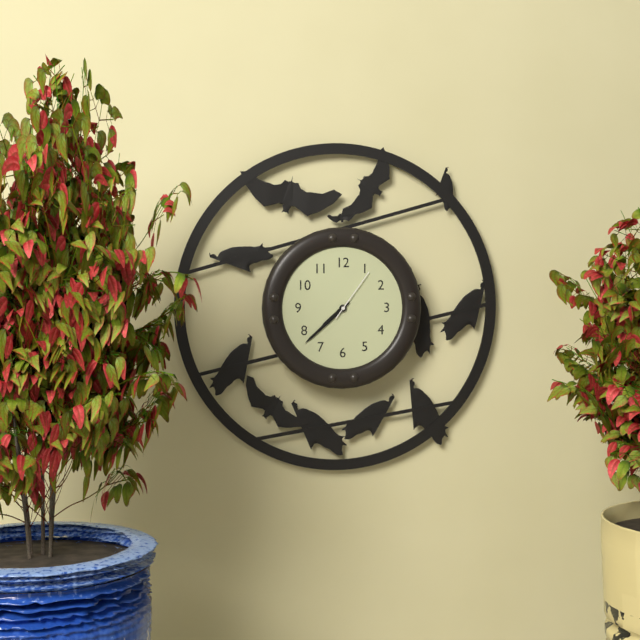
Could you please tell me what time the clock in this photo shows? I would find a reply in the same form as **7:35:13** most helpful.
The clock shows **7:38:06**
